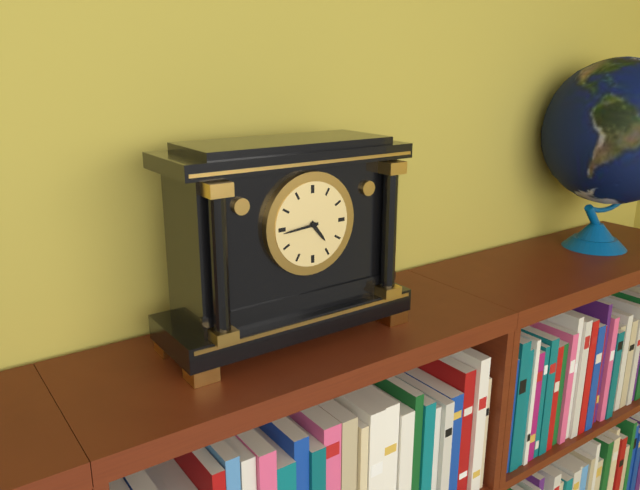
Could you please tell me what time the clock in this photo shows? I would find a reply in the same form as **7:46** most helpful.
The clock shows **4:44**
